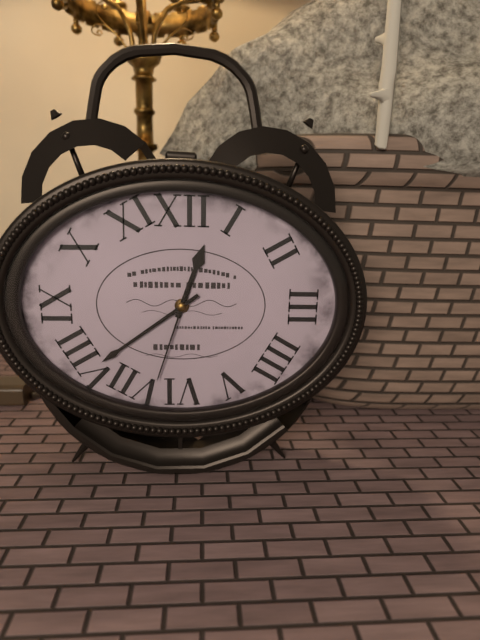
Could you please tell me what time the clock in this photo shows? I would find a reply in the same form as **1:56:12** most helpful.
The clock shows **12:39:33**
